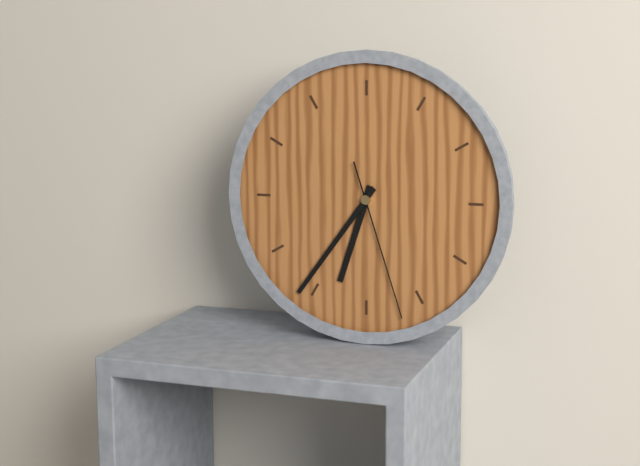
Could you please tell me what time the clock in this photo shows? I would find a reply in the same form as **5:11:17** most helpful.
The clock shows **6:36:27**
